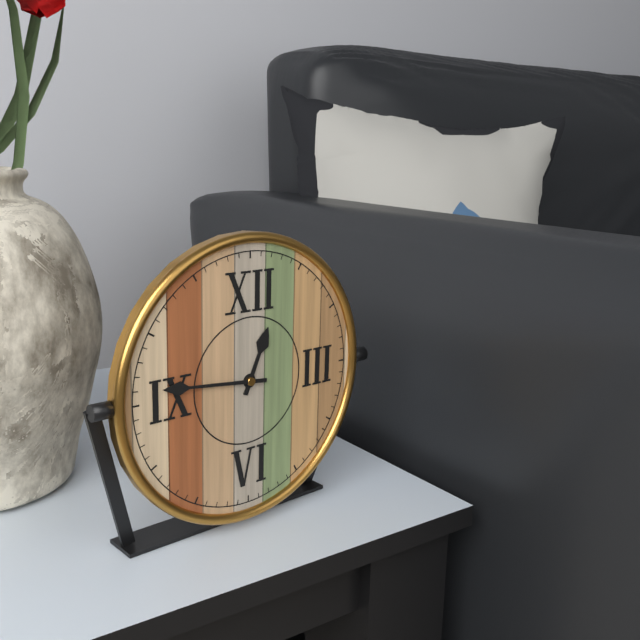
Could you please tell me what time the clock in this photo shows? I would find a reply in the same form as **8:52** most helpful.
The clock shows **12:46**
